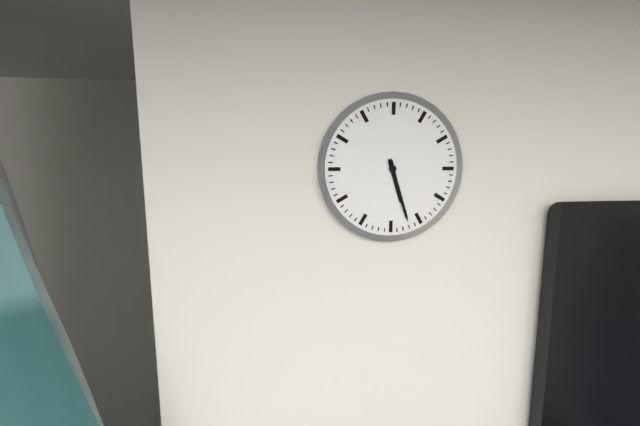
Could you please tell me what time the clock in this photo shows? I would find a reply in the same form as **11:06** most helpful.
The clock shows **5:27**
